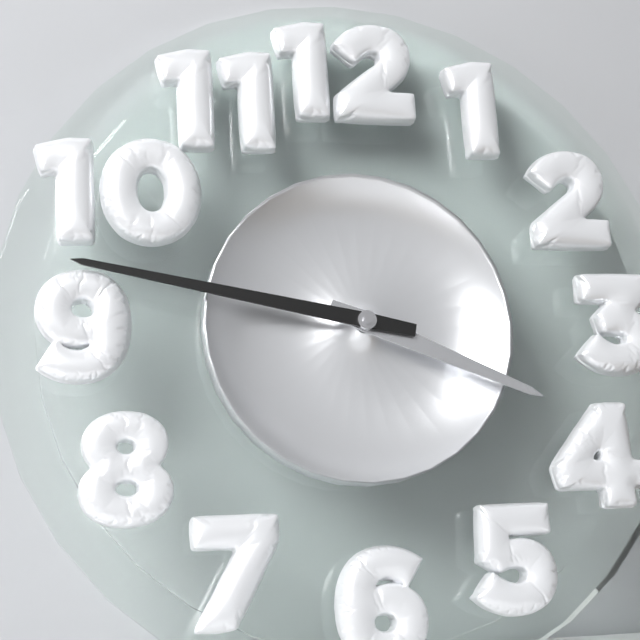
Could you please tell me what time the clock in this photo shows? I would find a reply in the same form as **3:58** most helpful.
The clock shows **3:47**
